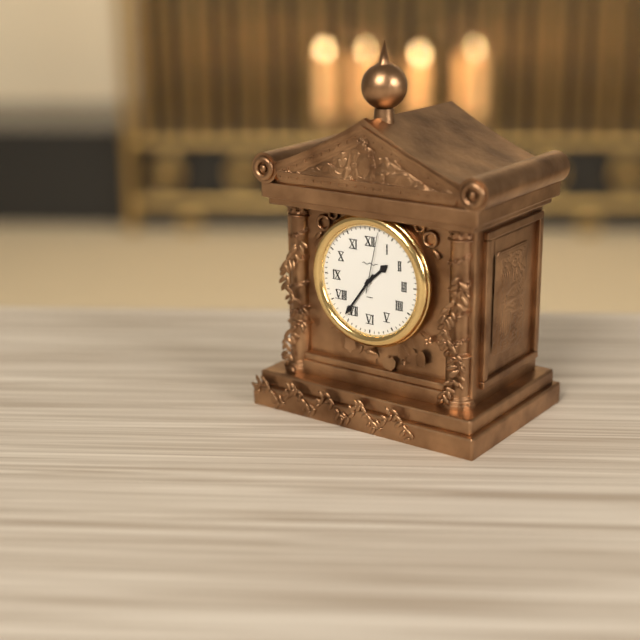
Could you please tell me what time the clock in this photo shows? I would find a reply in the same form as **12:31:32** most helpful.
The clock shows **1:36:02**
